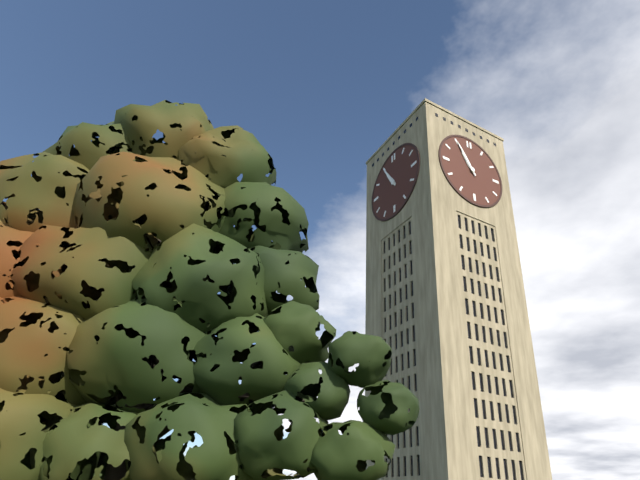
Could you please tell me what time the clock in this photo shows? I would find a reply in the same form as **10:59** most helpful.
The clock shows **10:55**
